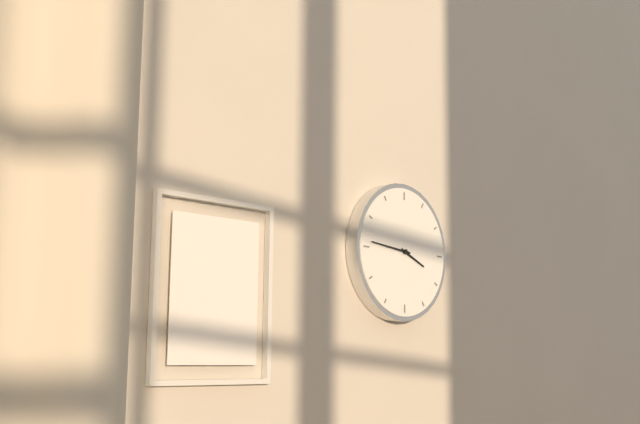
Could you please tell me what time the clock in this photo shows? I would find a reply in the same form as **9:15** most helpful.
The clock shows **3:46**
